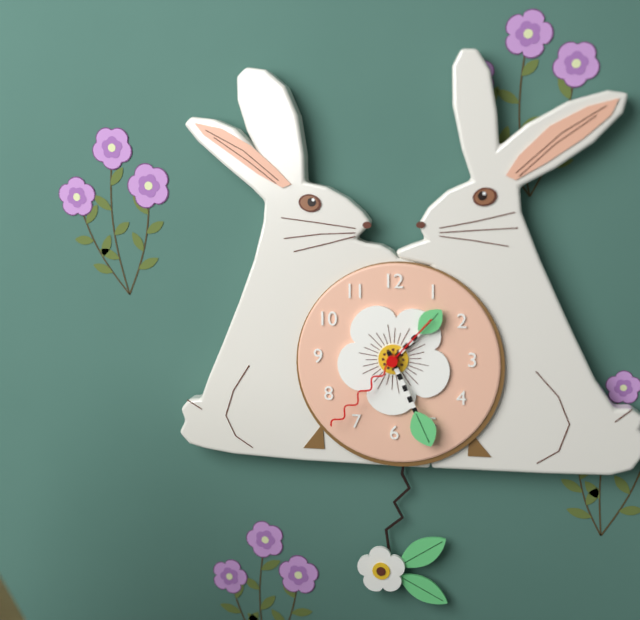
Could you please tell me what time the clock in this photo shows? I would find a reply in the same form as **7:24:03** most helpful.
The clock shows **1:26:37**
